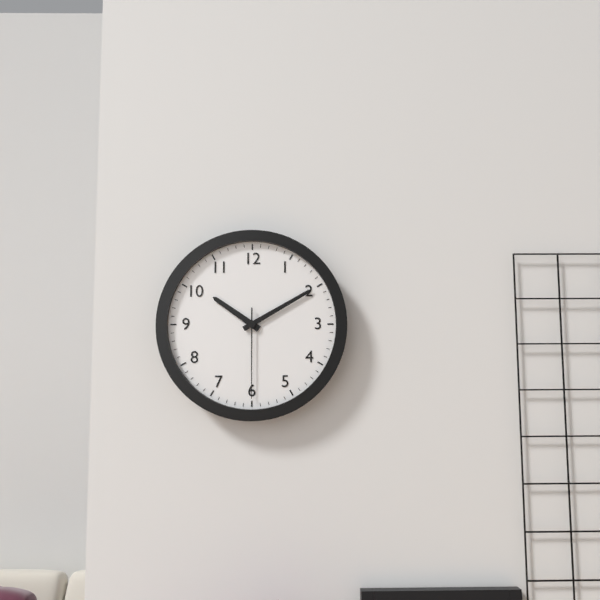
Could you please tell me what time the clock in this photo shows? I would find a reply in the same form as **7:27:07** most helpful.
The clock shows **10:10:30**
